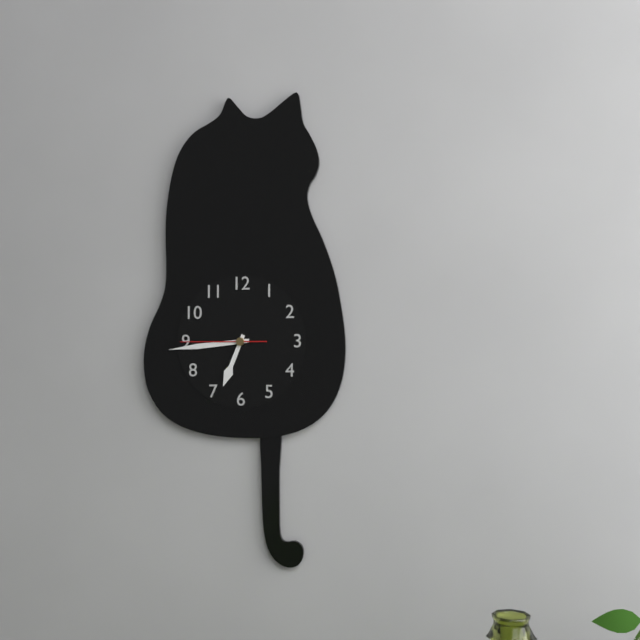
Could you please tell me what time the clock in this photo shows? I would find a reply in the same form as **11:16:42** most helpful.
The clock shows **6:44:45**
